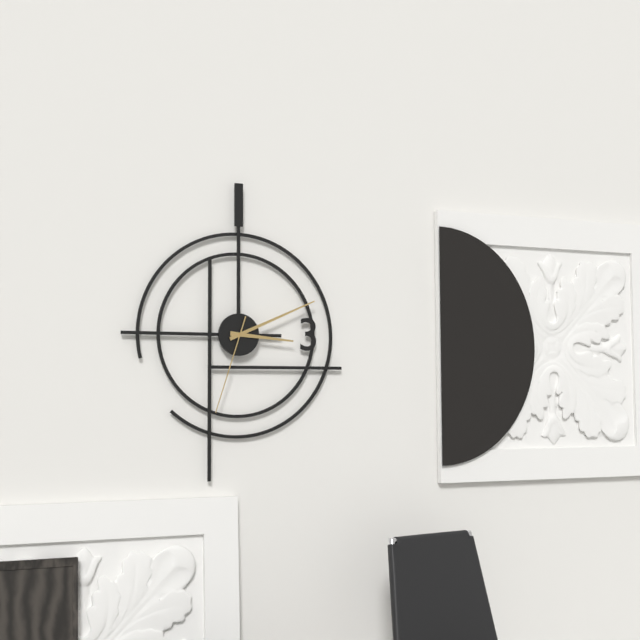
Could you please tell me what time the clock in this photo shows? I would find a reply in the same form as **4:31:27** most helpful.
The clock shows **3:11:33**
